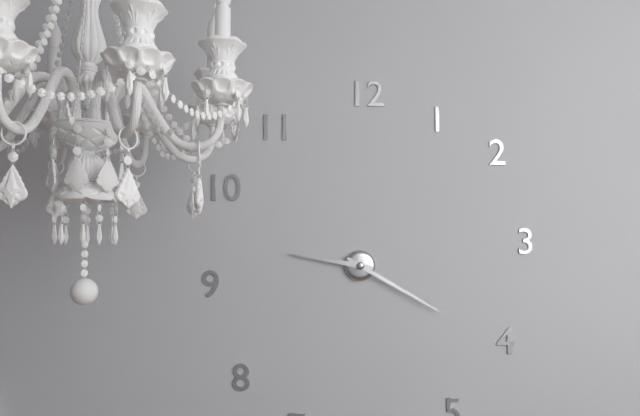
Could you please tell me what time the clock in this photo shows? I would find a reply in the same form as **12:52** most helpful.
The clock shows **9:20**
